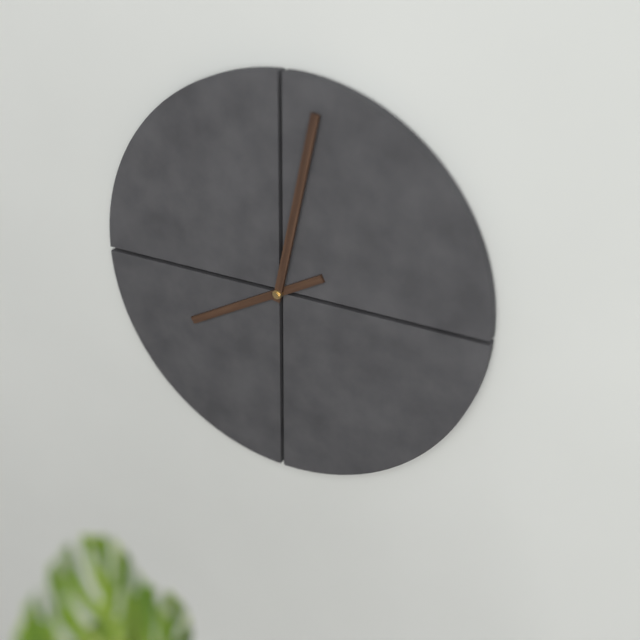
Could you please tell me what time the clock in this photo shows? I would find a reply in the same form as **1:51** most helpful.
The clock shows **8:02**
